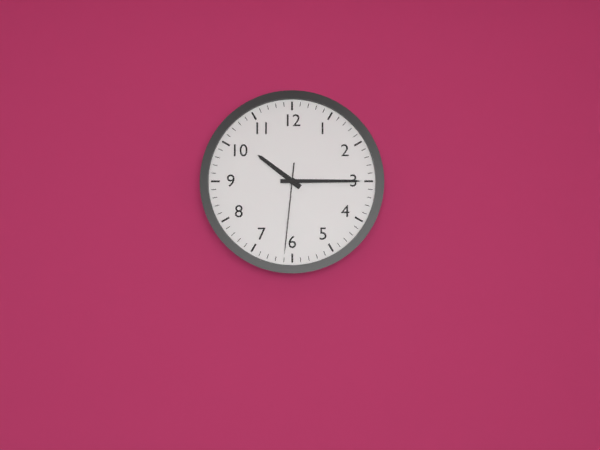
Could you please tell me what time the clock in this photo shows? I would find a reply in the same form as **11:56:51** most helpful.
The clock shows **10:15:31**
